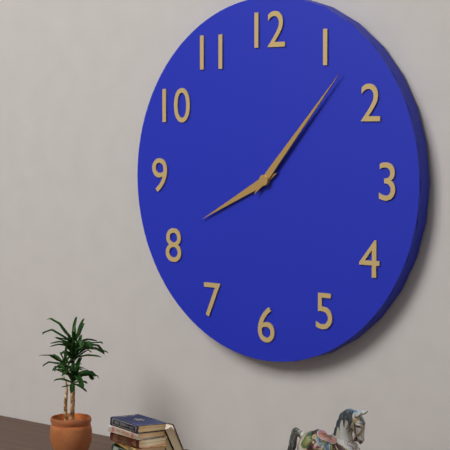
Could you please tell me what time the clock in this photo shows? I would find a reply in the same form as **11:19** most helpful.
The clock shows **8:07**
